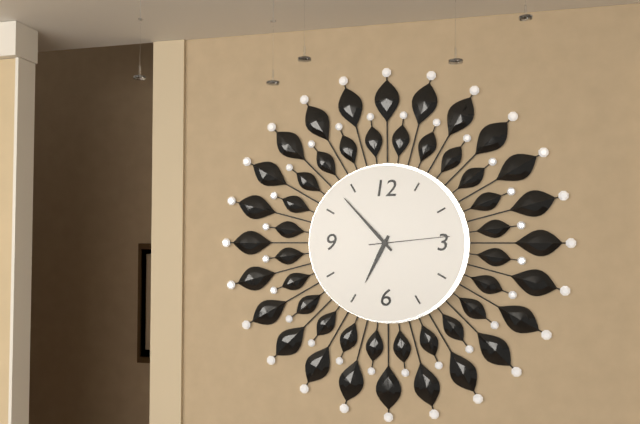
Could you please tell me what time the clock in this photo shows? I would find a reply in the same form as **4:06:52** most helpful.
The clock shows **6:53:14**
